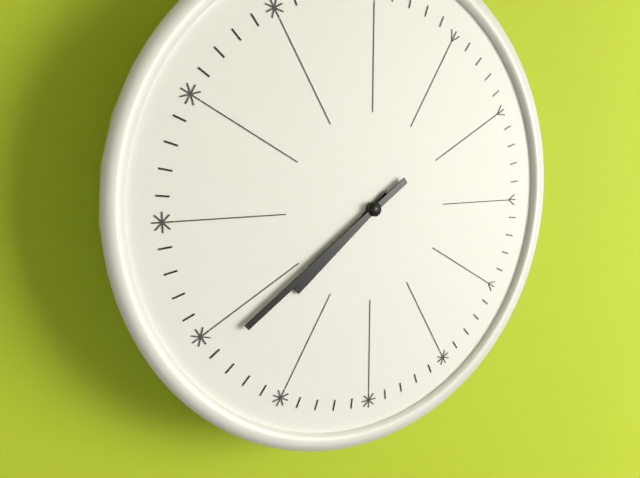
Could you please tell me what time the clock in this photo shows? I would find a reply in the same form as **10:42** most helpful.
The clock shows **7:39**
